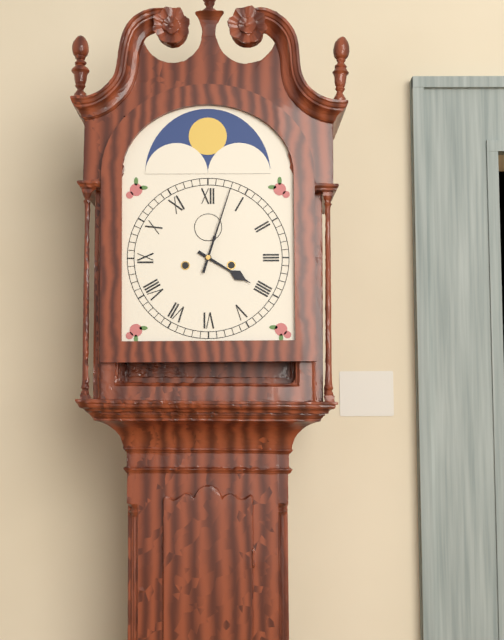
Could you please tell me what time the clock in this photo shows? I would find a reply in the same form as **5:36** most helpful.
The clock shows **4:03**
